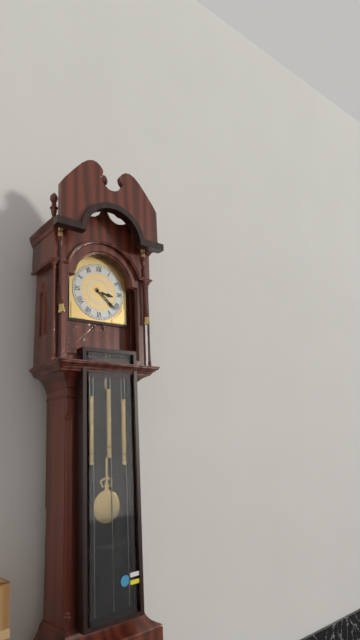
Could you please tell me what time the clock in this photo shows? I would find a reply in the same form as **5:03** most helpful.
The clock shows **3:22**
